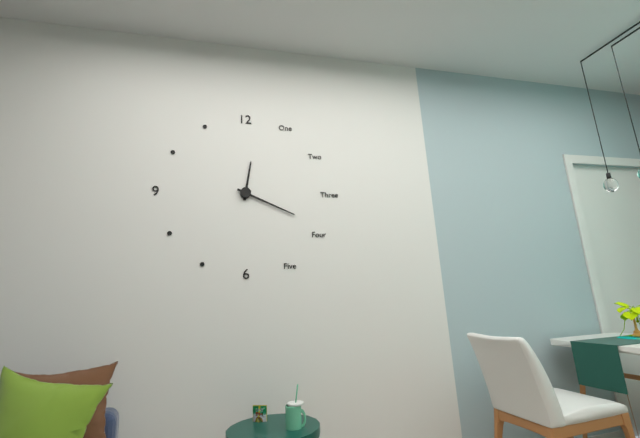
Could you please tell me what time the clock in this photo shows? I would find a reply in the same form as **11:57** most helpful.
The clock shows **12:19**
